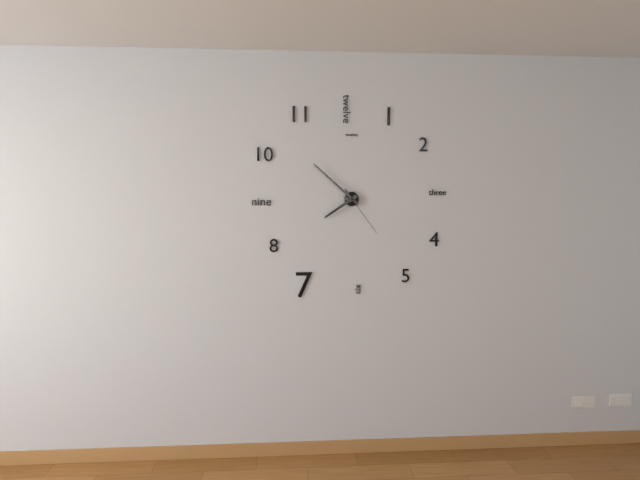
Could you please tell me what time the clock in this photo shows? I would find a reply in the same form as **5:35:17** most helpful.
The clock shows **7:52:24**
